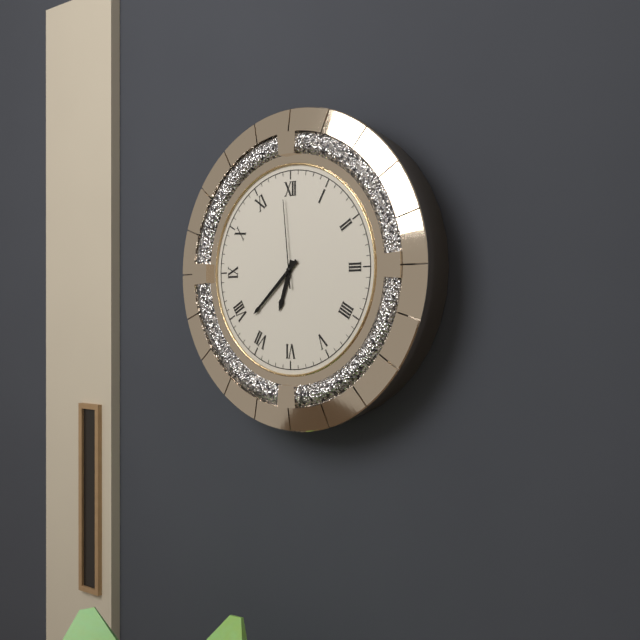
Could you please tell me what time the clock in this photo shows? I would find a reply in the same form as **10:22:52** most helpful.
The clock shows **6:38:59**
